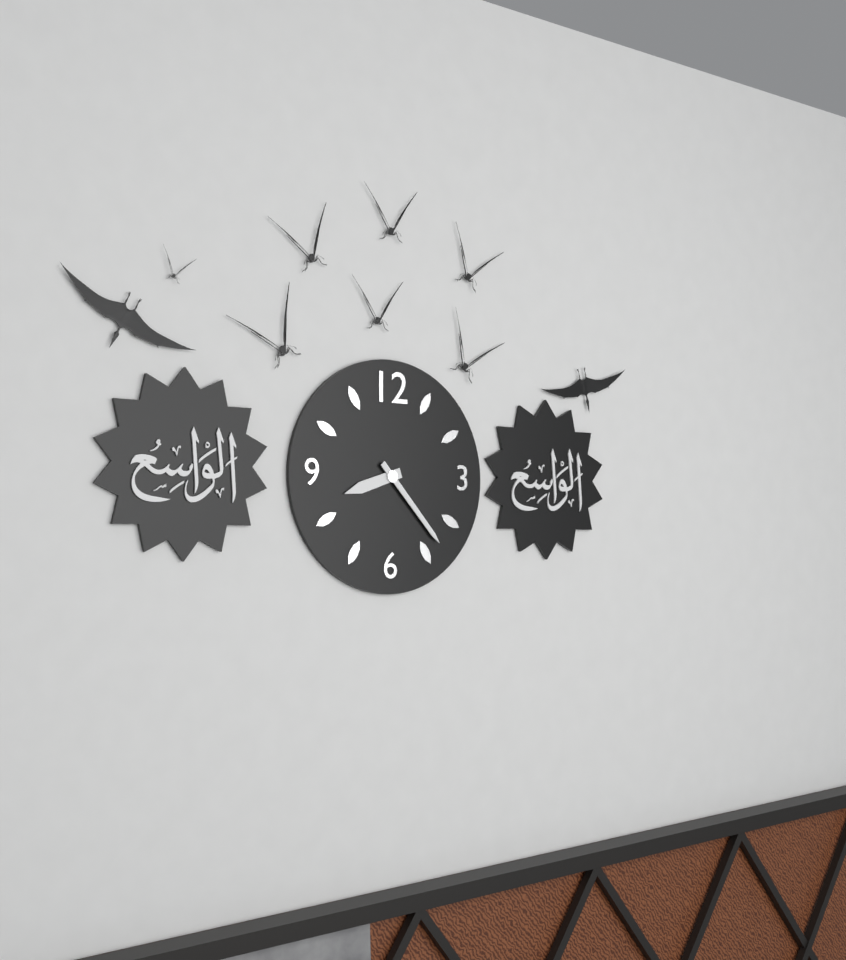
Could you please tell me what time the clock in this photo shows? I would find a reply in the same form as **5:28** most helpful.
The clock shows **8:23**
